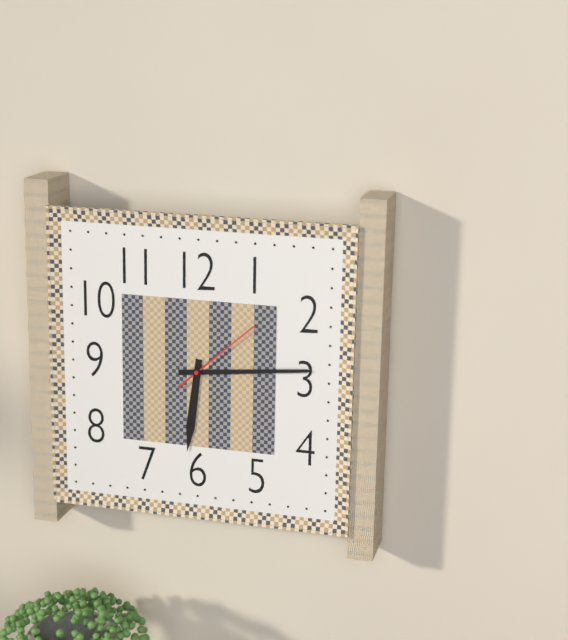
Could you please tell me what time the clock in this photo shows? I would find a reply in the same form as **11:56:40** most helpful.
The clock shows **6:14:08**
